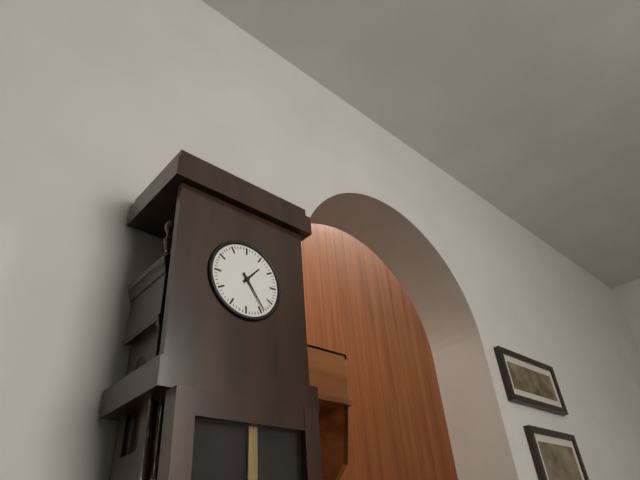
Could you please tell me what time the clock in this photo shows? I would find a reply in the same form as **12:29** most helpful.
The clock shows **1:24**
